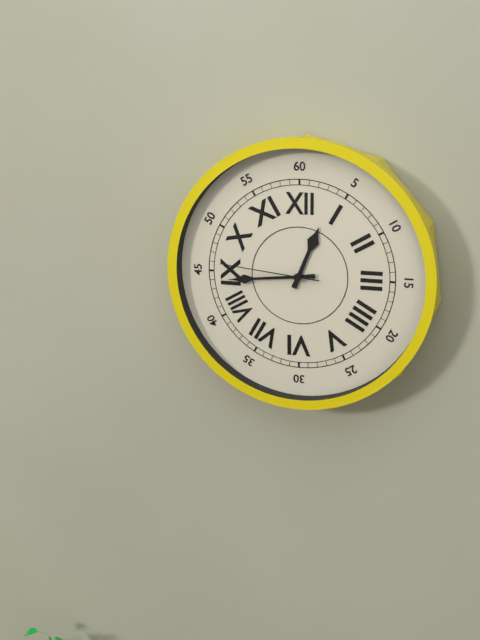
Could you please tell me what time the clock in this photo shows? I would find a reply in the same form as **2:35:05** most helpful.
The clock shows **12:44:46**
